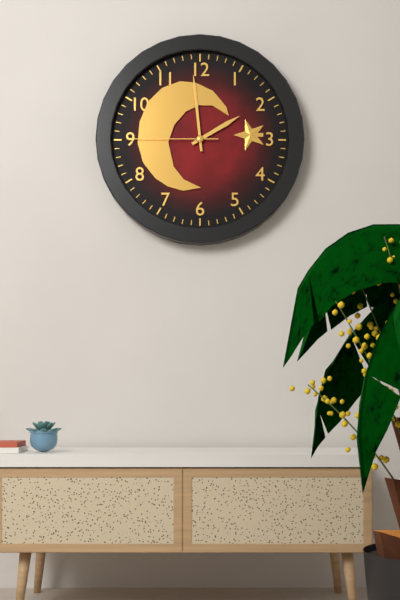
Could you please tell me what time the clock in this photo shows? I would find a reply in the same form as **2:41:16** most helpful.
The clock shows **1:59:45**
